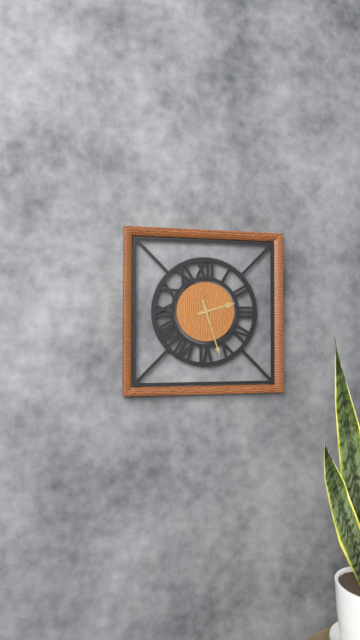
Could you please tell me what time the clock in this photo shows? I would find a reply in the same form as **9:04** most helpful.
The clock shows **2:27**
